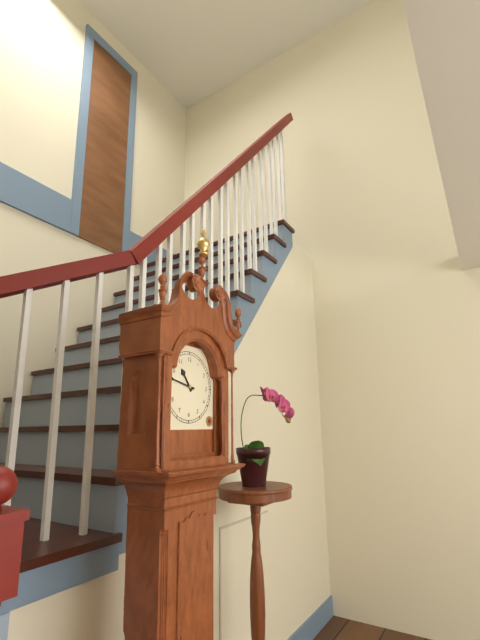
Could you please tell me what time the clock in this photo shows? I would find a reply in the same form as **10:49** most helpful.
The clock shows **10:47**
